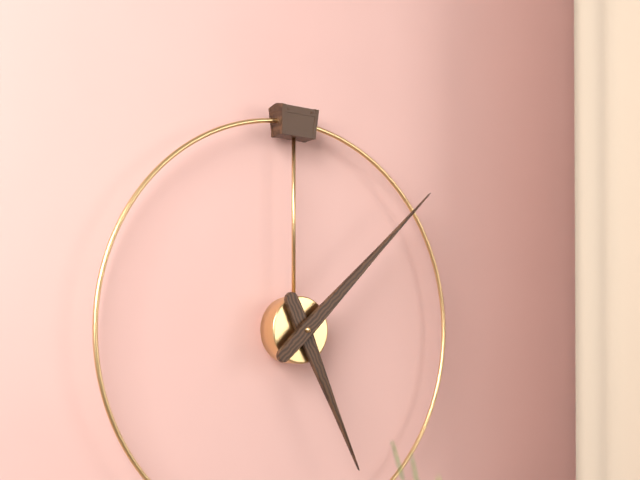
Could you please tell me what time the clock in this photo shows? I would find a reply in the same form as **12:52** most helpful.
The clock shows **5:08**
